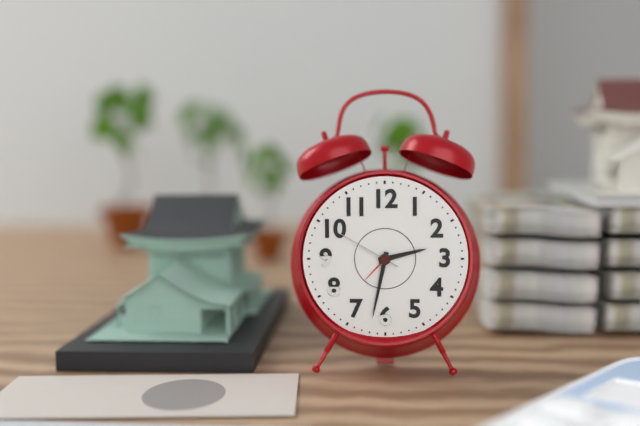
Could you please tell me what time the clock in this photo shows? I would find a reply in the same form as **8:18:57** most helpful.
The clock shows **2:32:50**
